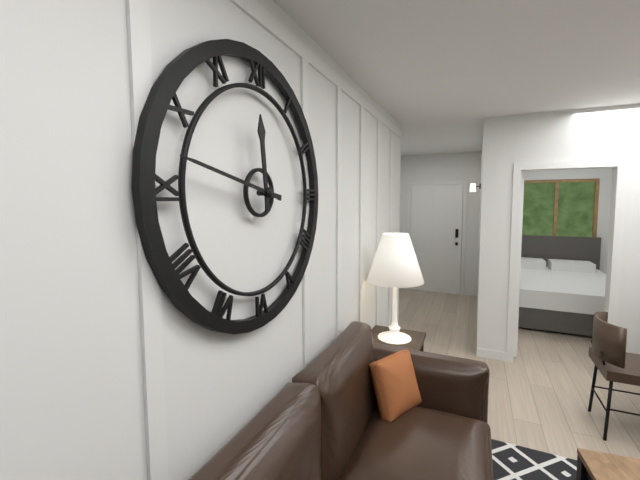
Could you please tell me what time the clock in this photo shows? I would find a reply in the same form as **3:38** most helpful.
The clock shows **11:47**
